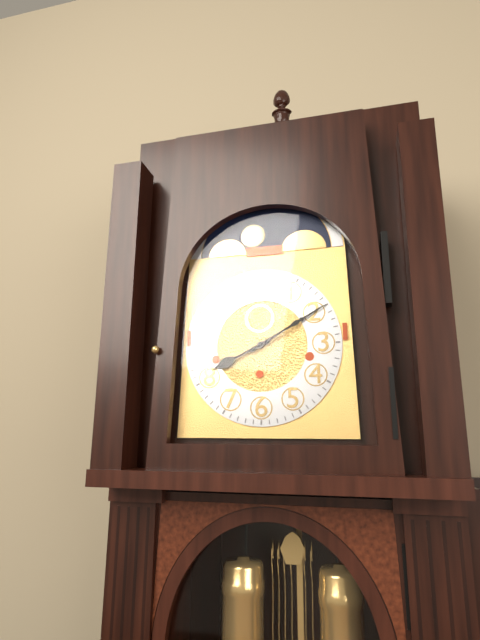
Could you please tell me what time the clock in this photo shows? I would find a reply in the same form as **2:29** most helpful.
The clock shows **8:10**
